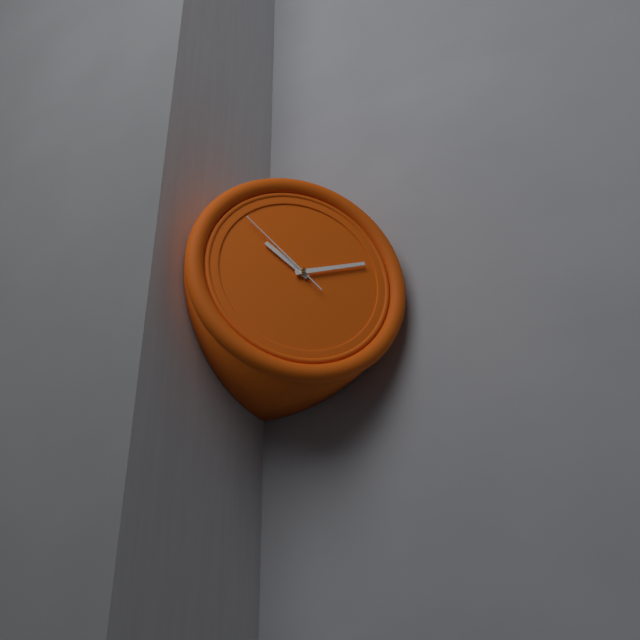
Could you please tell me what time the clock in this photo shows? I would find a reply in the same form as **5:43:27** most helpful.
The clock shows **10:12:52**
